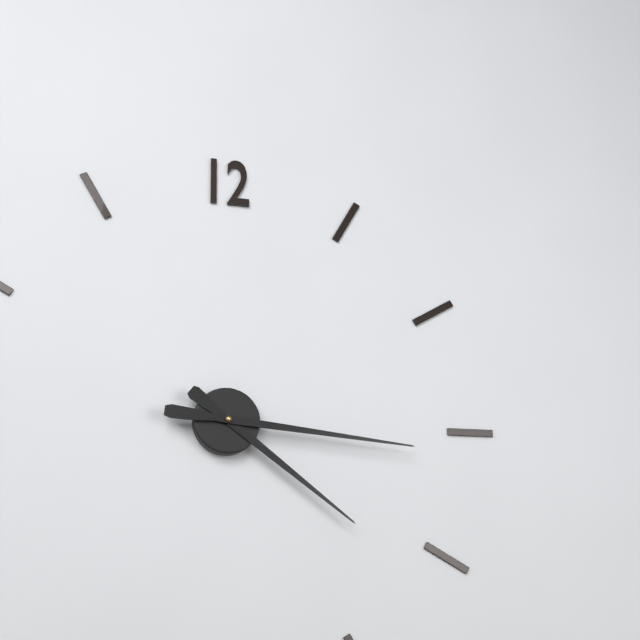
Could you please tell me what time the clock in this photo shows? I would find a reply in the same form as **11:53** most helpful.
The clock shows **4:16**
